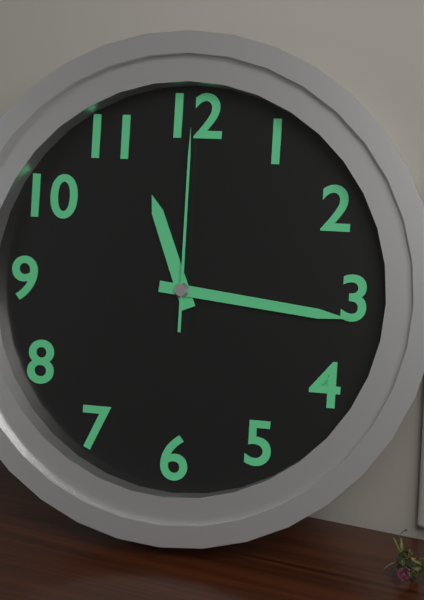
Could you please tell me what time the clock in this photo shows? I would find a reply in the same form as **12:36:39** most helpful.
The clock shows **11:16:00**
